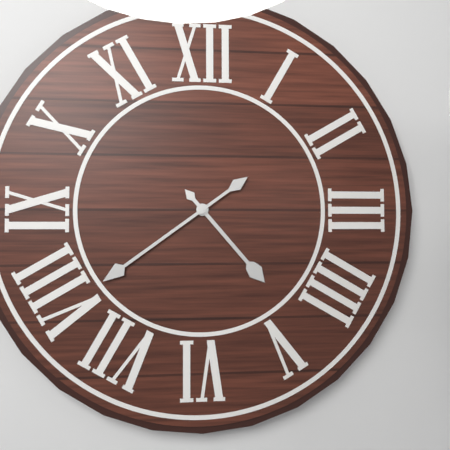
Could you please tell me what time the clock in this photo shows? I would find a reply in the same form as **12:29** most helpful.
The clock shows **4:39**
